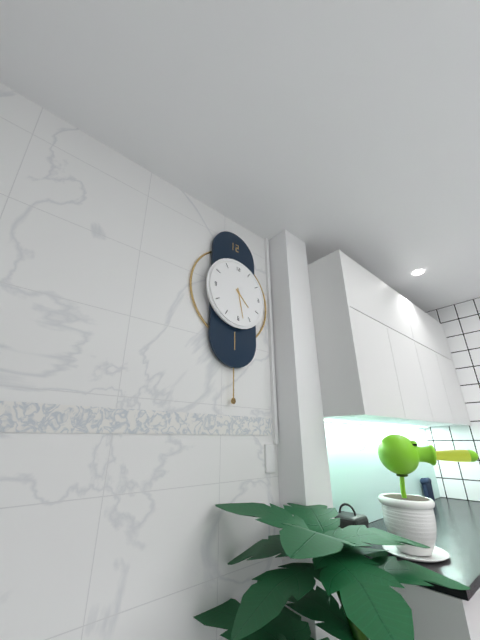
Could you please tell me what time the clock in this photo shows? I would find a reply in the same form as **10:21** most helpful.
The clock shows **4:28**
